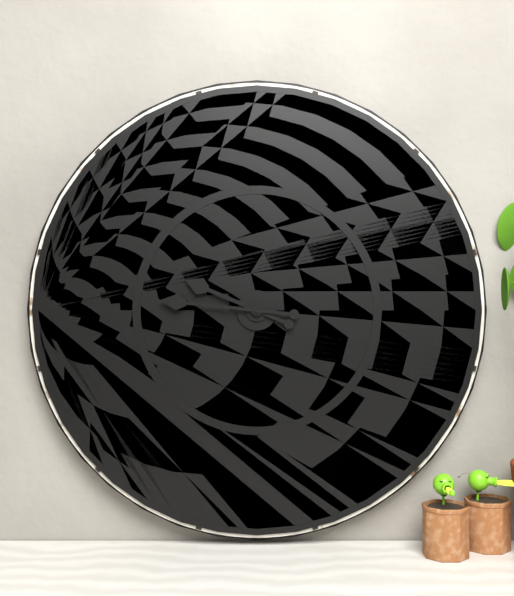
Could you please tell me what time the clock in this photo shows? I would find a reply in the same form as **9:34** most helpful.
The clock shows **9:46**
